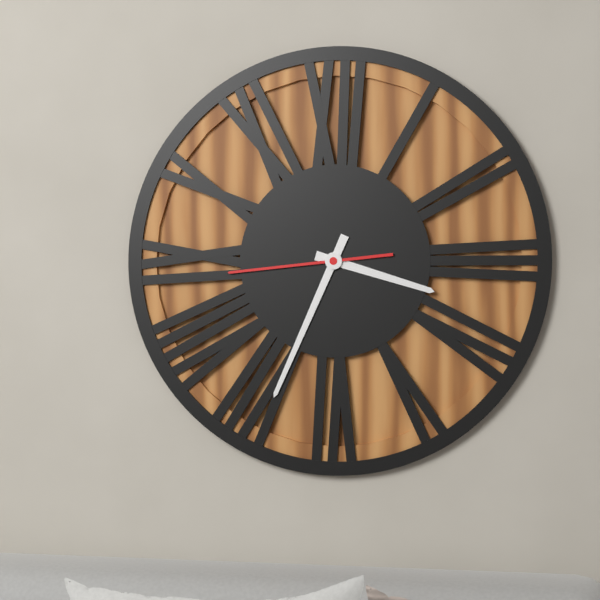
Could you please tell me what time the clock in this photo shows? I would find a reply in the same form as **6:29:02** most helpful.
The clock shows **3:34:44**
